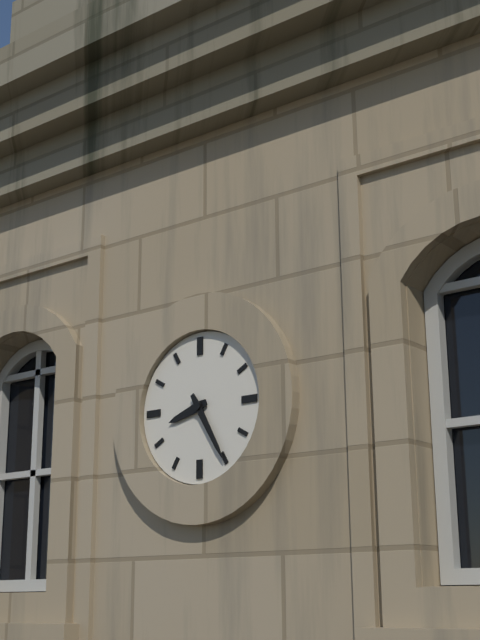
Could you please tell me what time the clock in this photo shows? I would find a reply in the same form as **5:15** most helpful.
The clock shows **8:25**
